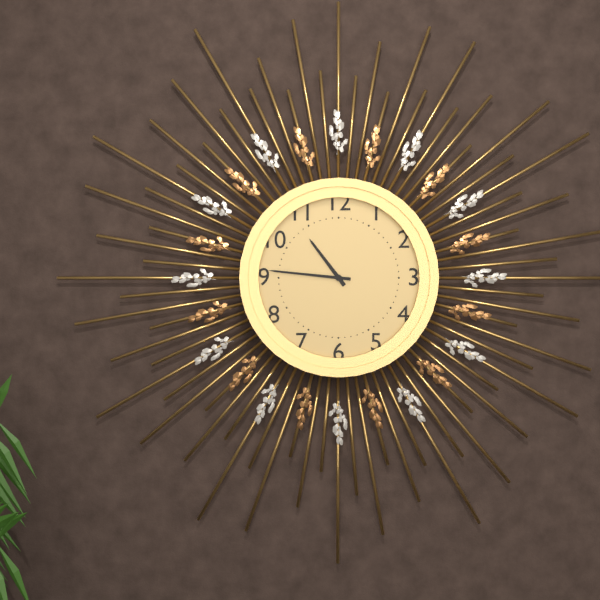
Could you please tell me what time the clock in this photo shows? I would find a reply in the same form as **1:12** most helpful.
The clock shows **10:46**
